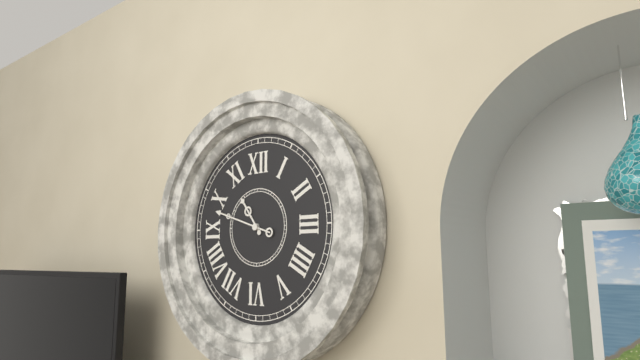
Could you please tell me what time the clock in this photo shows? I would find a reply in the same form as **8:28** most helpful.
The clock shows **10:48**
